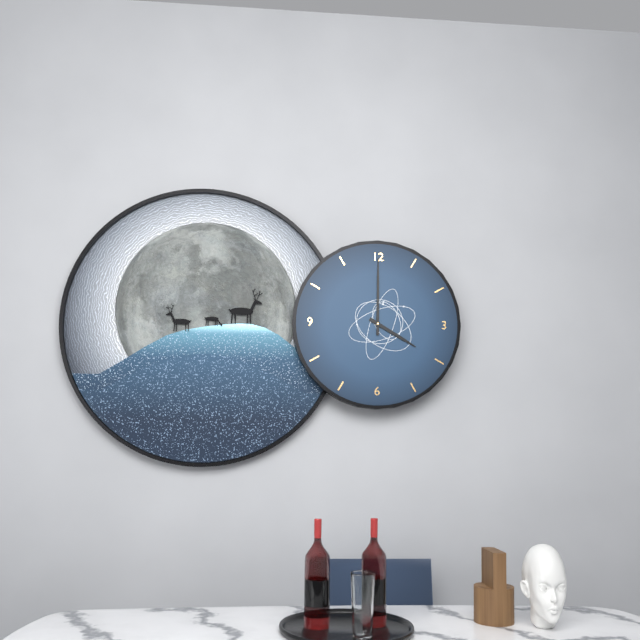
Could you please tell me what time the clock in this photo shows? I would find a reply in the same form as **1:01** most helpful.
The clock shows **4:00**
